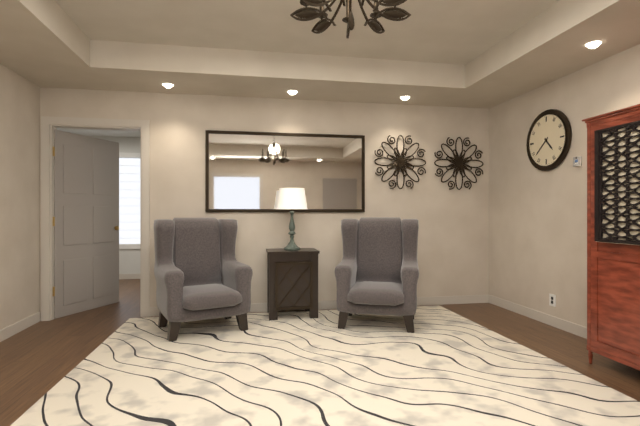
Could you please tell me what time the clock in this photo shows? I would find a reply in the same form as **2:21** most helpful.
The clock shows **4:38**
